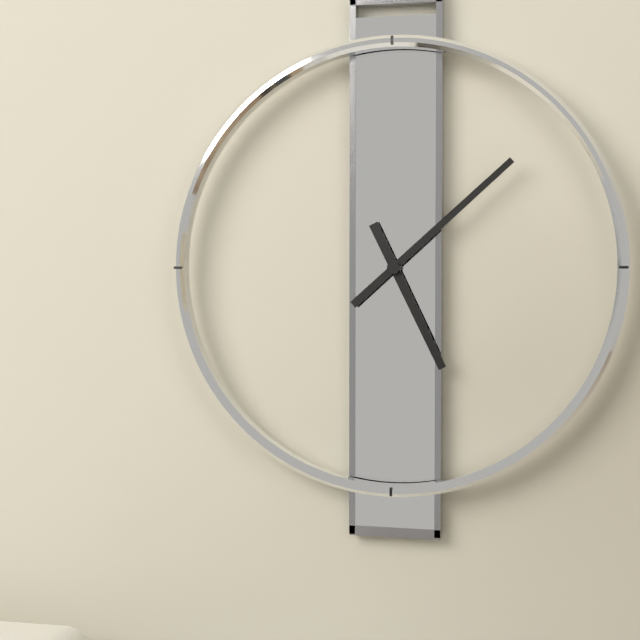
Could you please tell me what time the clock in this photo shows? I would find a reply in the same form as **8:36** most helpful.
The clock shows **5:08**
